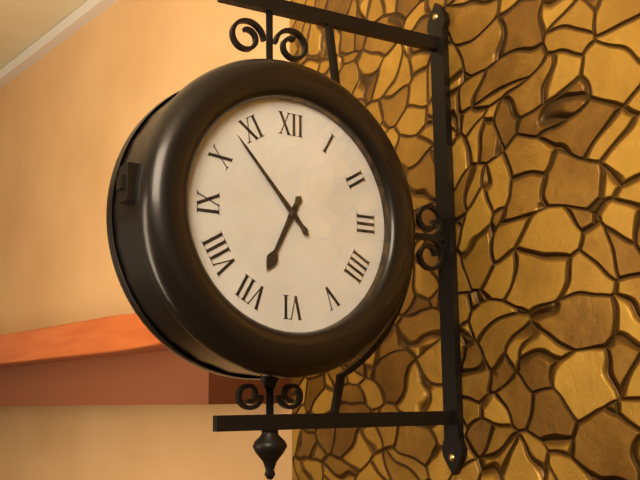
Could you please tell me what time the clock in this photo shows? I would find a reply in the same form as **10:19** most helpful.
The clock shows **6:53**
